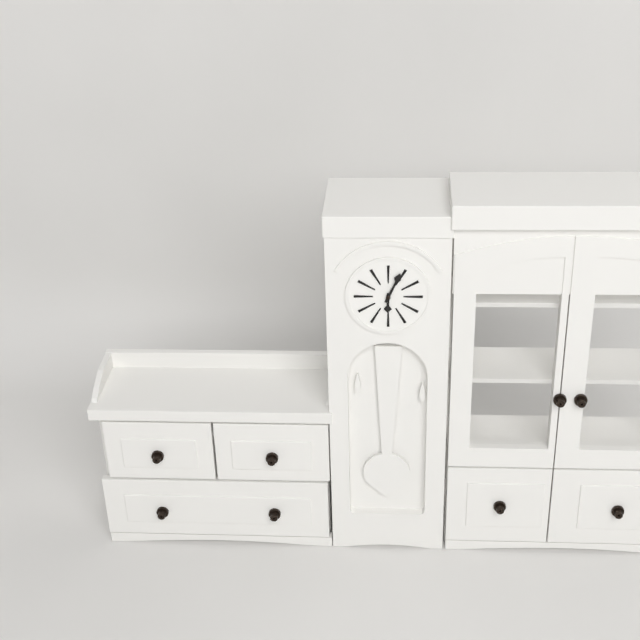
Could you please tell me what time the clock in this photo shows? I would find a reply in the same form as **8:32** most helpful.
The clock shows **6:04**
